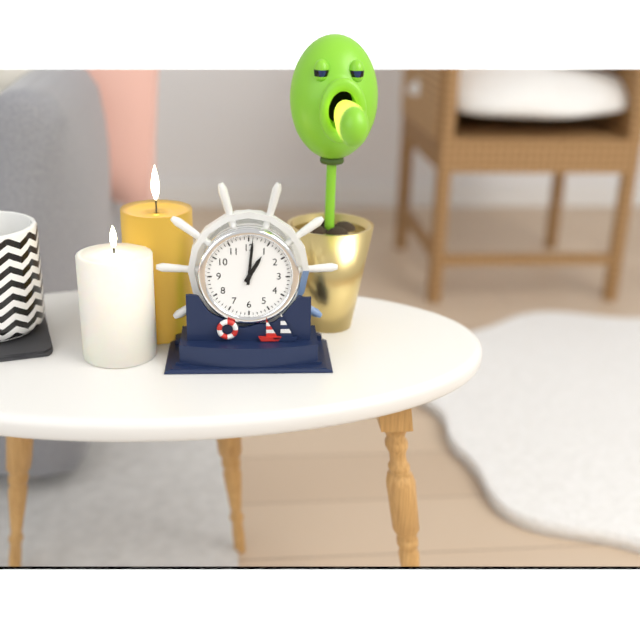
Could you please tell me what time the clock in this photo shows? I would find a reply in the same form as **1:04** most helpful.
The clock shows **1:01**
